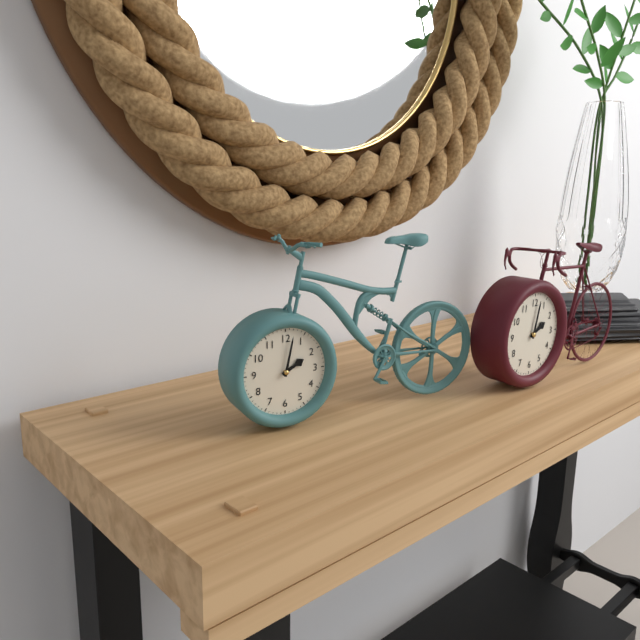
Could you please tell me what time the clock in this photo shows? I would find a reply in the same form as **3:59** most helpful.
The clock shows **2:02**
